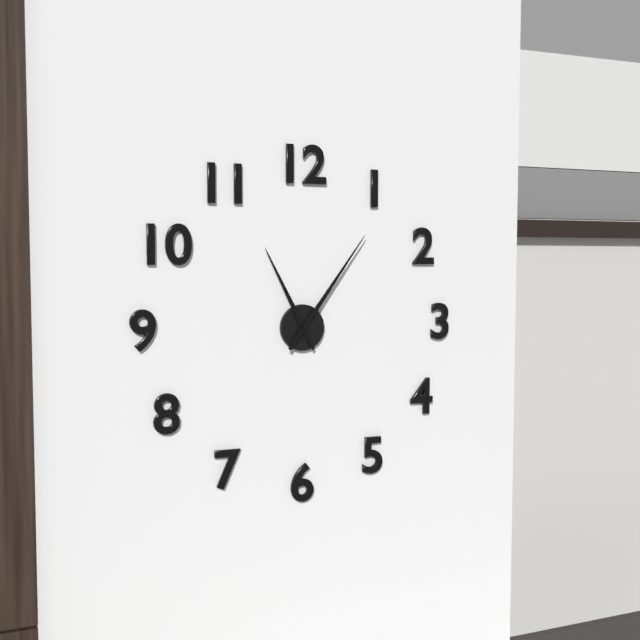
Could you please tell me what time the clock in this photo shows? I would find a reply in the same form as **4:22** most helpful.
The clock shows **11:06**
